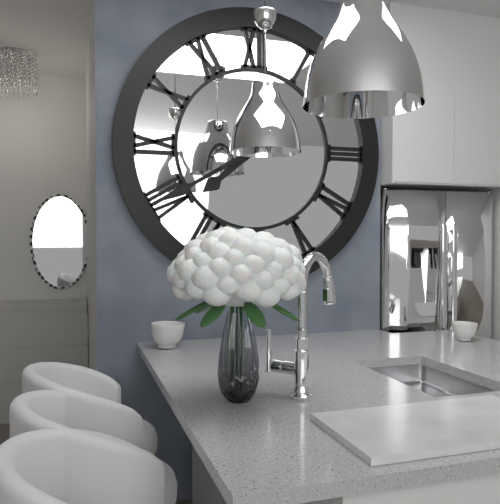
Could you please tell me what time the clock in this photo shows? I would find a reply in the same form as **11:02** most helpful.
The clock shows **7:40**
